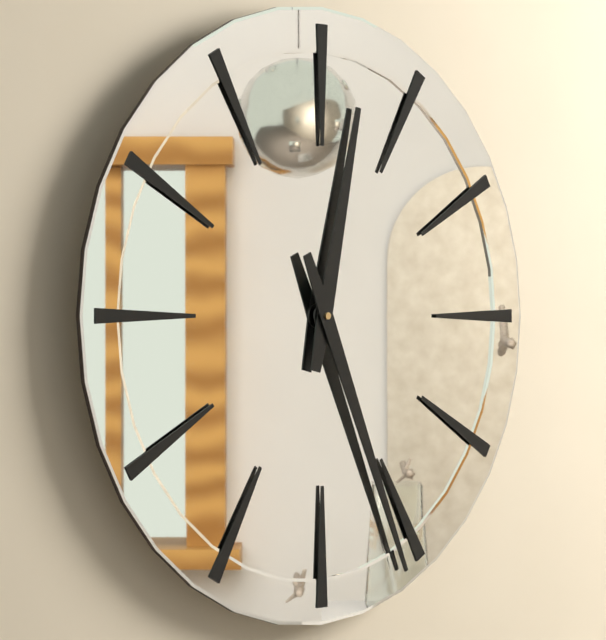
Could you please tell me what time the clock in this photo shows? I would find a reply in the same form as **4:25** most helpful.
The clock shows **12:26**
